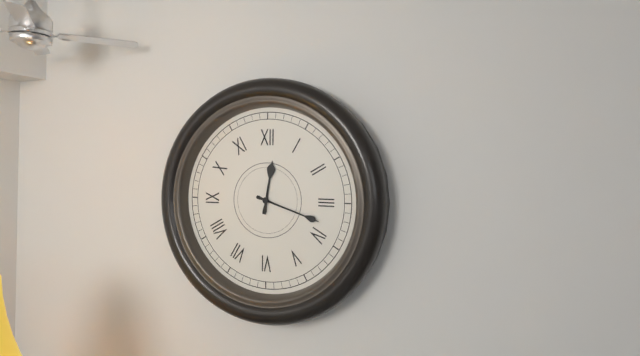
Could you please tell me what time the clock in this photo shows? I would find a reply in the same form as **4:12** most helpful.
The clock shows **12:18**
